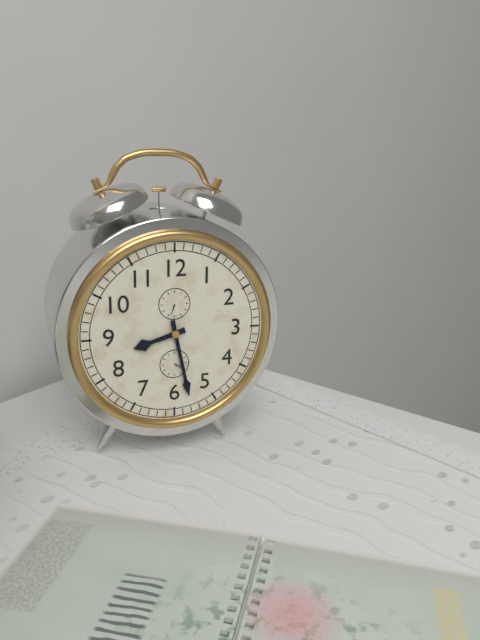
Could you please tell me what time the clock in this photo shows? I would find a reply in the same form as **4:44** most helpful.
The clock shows **8:28**
